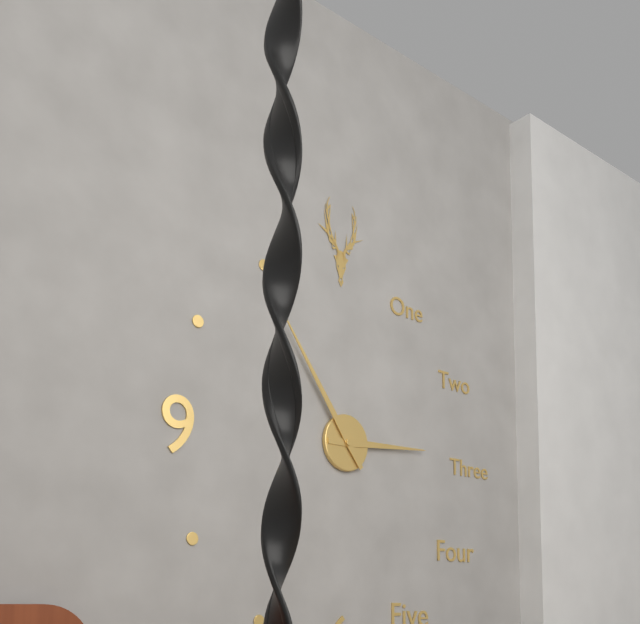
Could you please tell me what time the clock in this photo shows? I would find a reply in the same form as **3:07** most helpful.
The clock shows **2:54**
